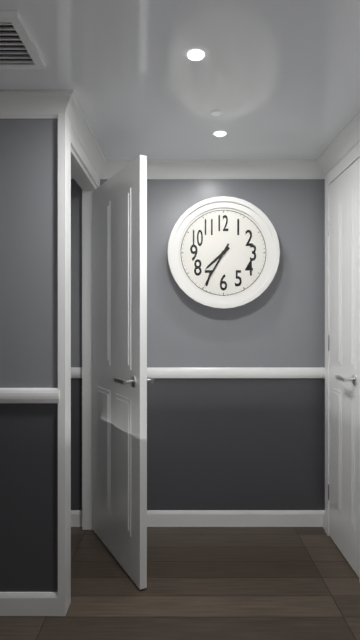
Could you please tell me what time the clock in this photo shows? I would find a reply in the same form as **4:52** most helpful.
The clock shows **7:35**
